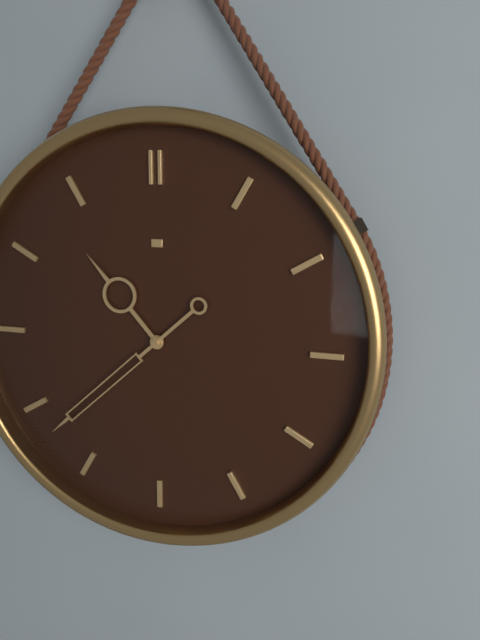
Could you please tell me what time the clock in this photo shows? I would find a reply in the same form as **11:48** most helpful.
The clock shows **10:38**
